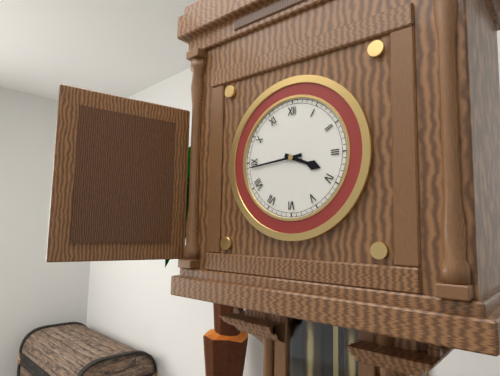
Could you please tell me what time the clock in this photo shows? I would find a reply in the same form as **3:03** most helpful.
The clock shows **3:44**
